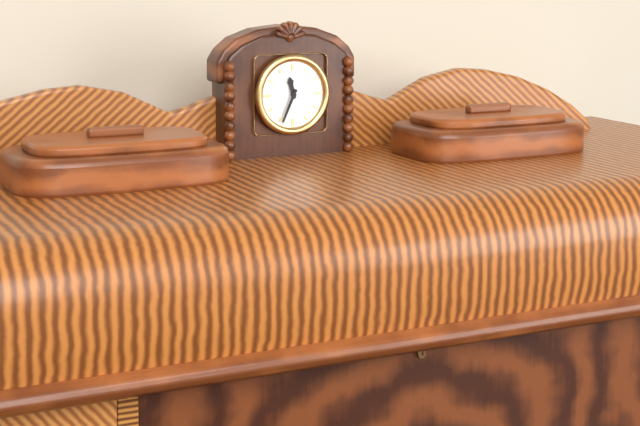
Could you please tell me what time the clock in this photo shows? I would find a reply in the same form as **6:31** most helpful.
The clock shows **11:34**
